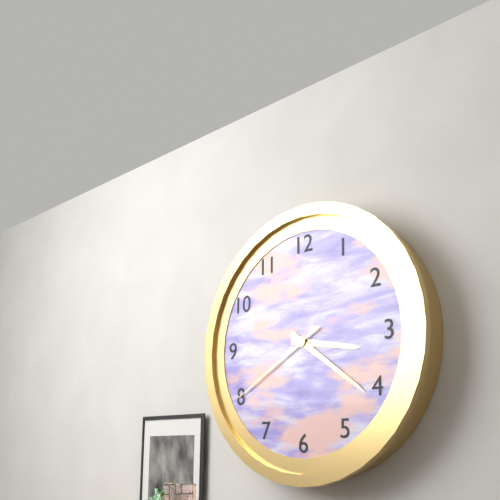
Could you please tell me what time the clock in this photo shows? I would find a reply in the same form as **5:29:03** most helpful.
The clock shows **3:21:40**
